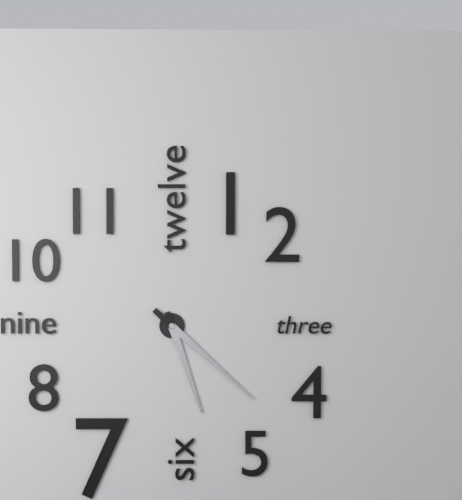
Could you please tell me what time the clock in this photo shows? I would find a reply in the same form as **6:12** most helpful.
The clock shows **5:22**
